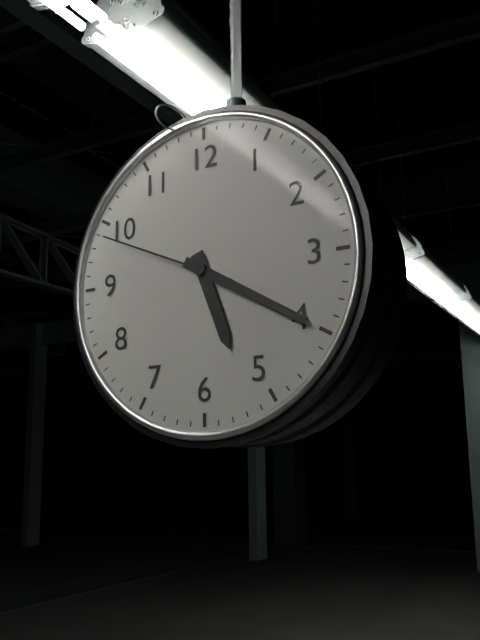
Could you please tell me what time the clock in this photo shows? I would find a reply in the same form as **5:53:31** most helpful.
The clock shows **5:20:49**
